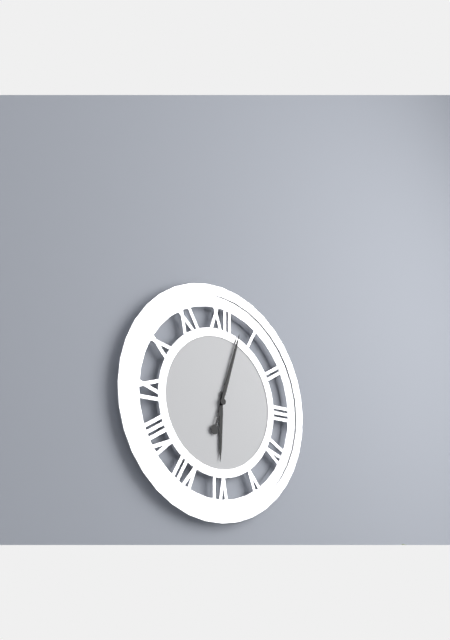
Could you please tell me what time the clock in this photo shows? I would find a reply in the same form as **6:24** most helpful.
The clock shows **6:03**
